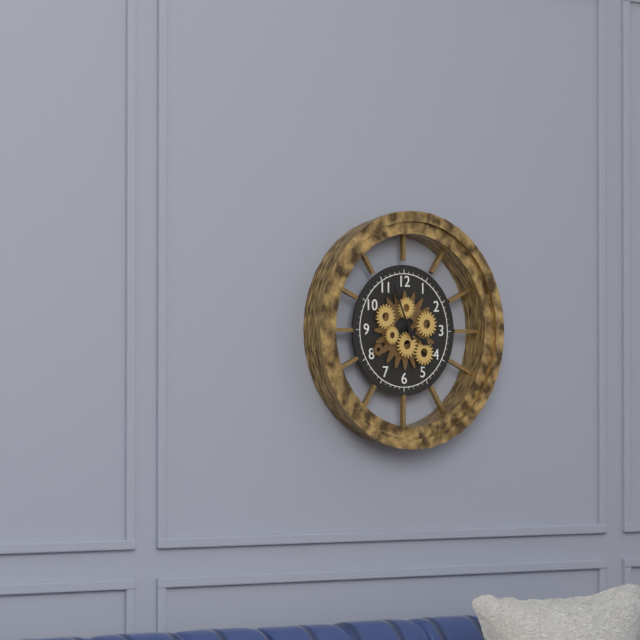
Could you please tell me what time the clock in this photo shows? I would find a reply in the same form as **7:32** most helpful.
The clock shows **3:56**
